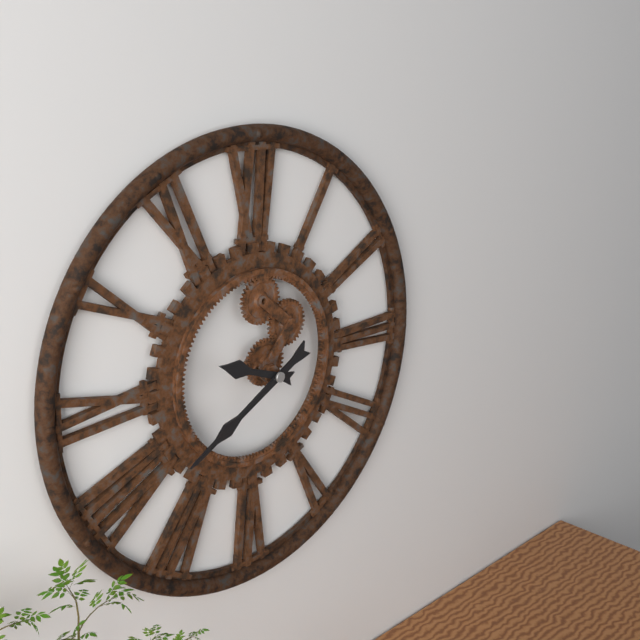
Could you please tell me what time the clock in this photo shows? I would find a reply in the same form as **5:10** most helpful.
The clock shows **9:40**
